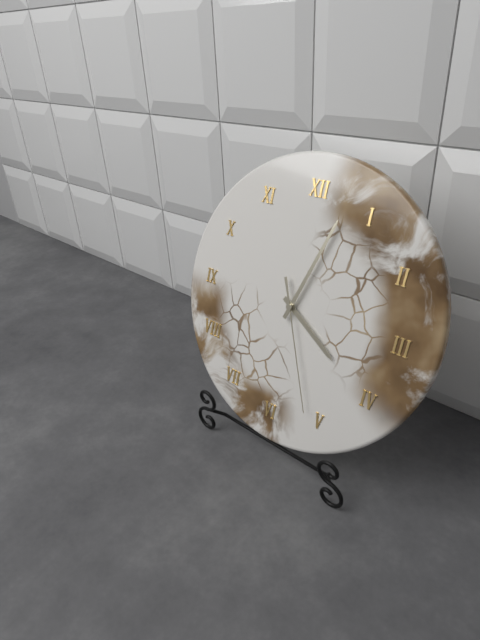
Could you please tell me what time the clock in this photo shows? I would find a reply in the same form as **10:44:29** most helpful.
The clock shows **4:03:26**
